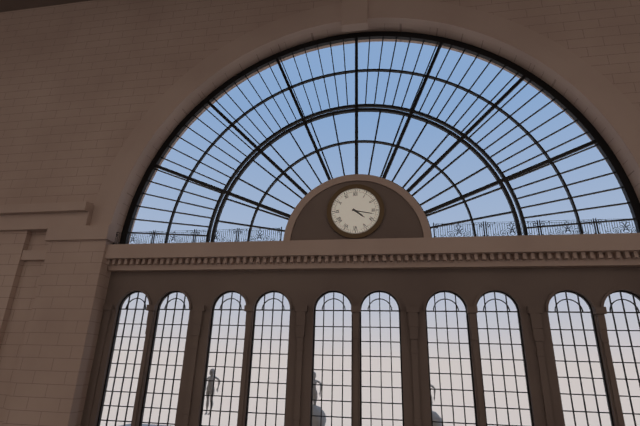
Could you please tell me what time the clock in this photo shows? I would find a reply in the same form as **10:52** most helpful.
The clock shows **4:17**
